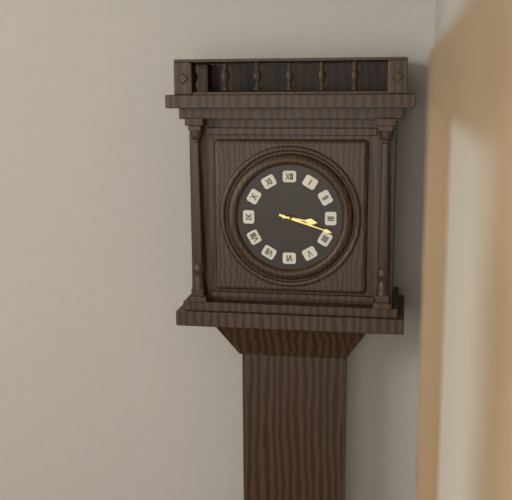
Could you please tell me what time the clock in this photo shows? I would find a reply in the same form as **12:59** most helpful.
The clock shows **3:18**
